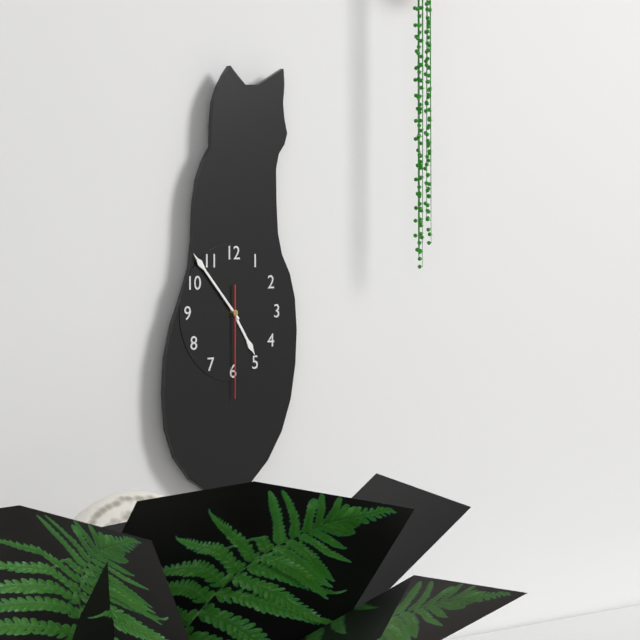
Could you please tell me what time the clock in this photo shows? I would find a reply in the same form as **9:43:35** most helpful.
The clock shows **4:53:30**
